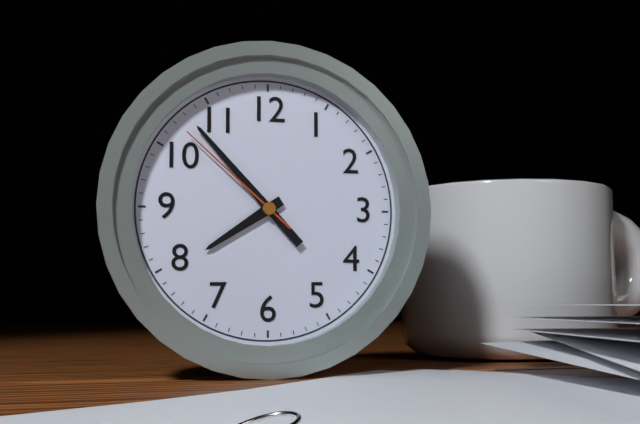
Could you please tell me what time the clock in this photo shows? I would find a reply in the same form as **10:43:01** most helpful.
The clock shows **7:53:52**
